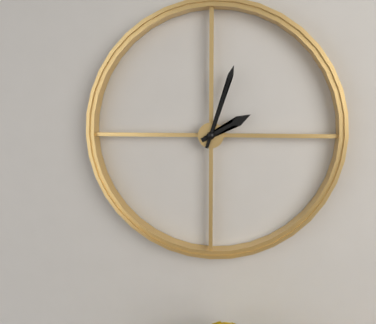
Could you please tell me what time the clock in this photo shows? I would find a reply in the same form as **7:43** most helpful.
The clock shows **2:03**
